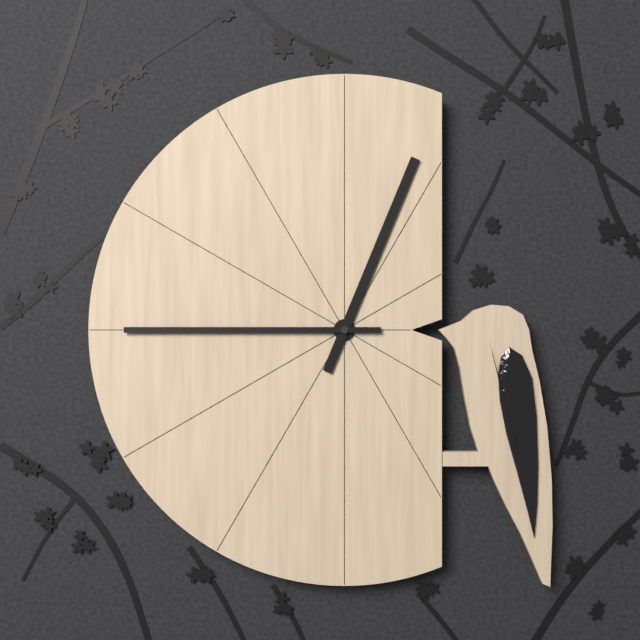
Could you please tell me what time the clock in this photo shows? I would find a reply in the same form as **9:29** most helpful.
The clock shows **12:45**
